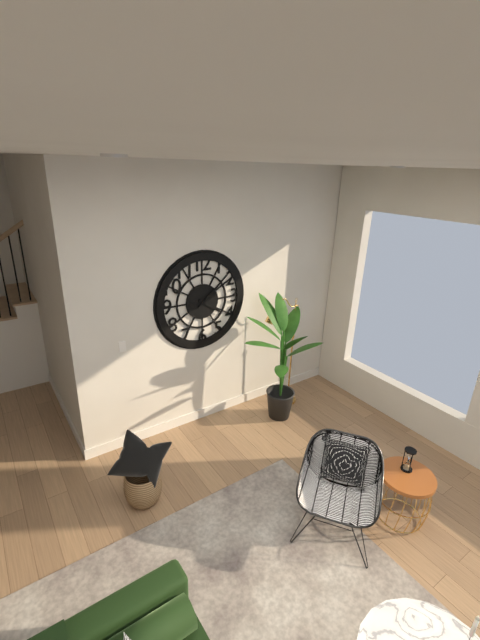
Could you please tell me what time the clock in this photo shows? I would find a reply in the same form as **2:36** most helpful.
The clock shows **4:08**
